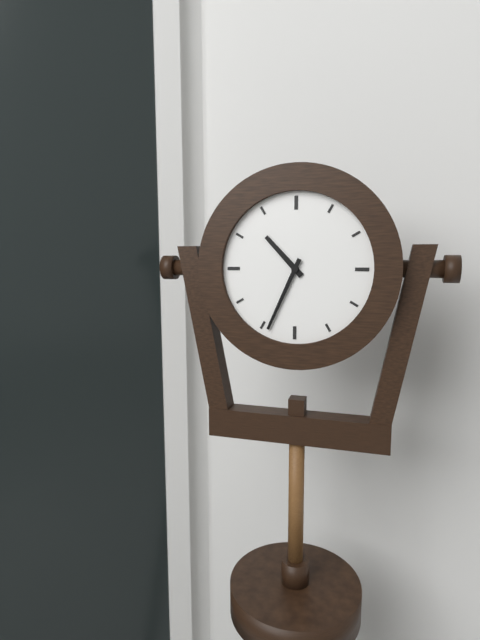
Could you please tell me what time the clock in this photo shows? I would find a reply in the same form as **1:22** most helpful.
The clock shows **10:34**
